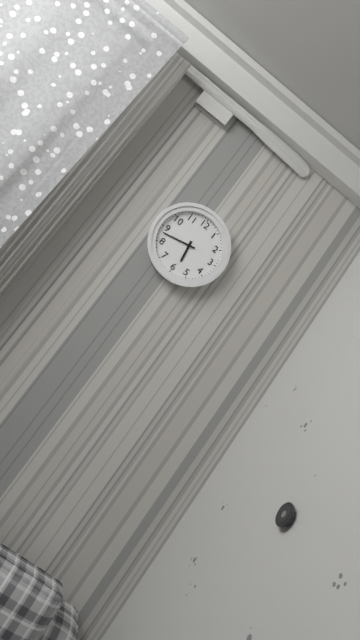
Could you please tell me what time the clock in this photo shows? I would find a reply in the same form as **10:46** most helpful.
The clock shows **5:43**
